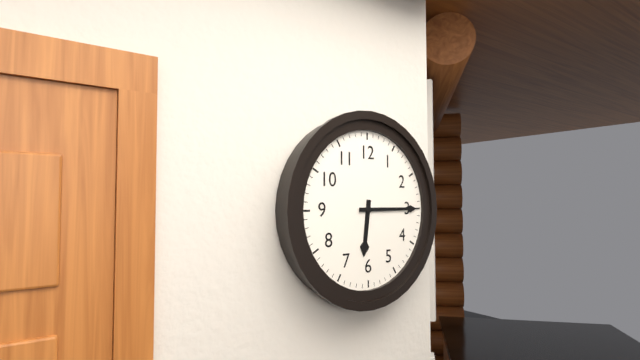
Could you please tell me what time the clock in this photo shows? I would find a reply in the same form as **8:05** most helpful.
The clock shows **6:15**
